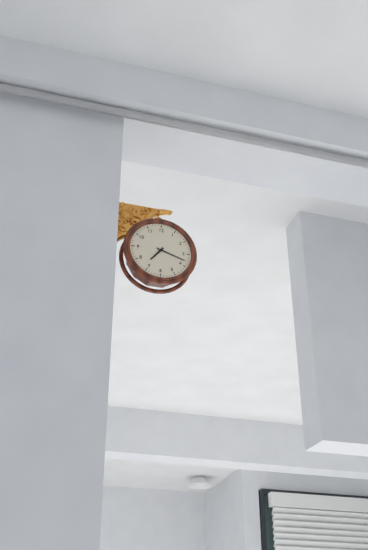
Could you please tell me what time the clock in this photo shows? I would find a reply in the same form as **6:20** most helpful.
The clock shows **7:18**
